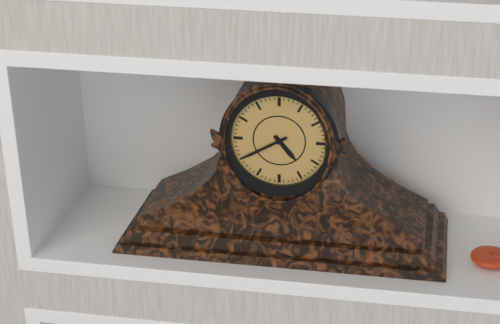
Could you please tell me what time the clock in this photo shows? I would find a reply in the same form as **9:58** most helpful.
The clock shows **4:40**
